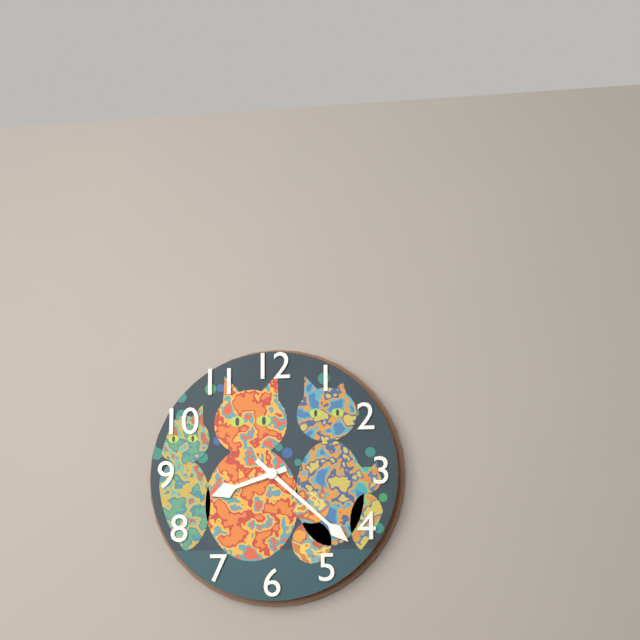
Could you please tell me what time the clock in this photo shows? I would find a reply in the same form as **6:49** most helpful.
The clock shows **8:22**
